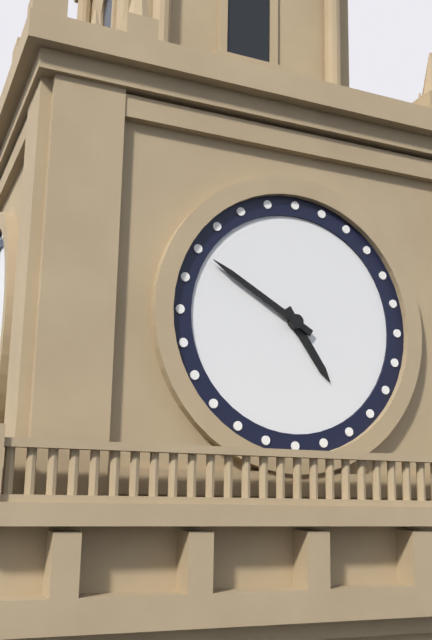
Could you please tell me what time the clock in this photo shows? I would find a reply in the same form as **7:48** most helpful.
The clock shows **4:50**
